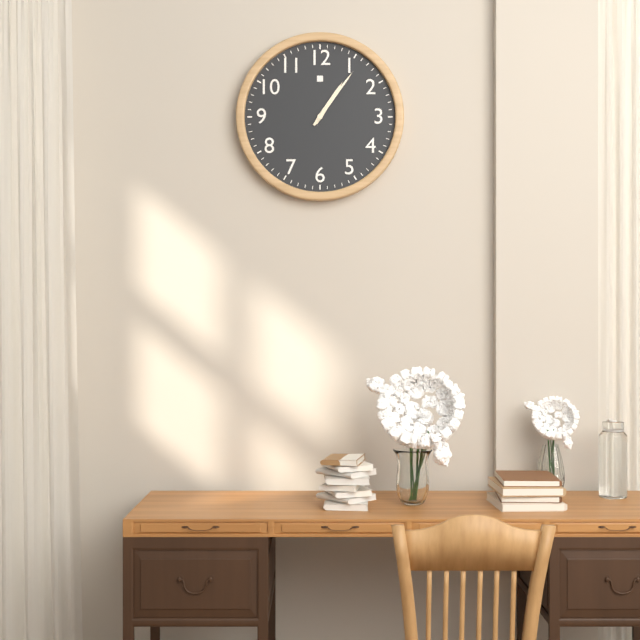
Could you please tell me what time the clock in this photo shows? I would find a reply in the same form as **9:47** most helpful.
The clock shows **1:06**
